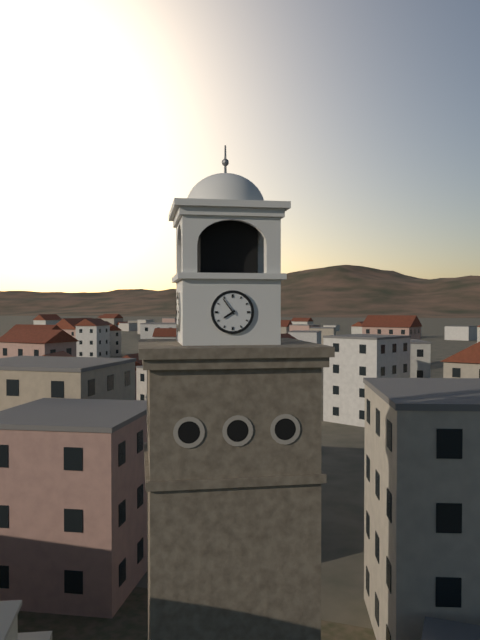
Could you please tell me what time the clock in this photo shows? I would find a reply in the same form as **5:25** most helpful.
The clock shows **7:54**
